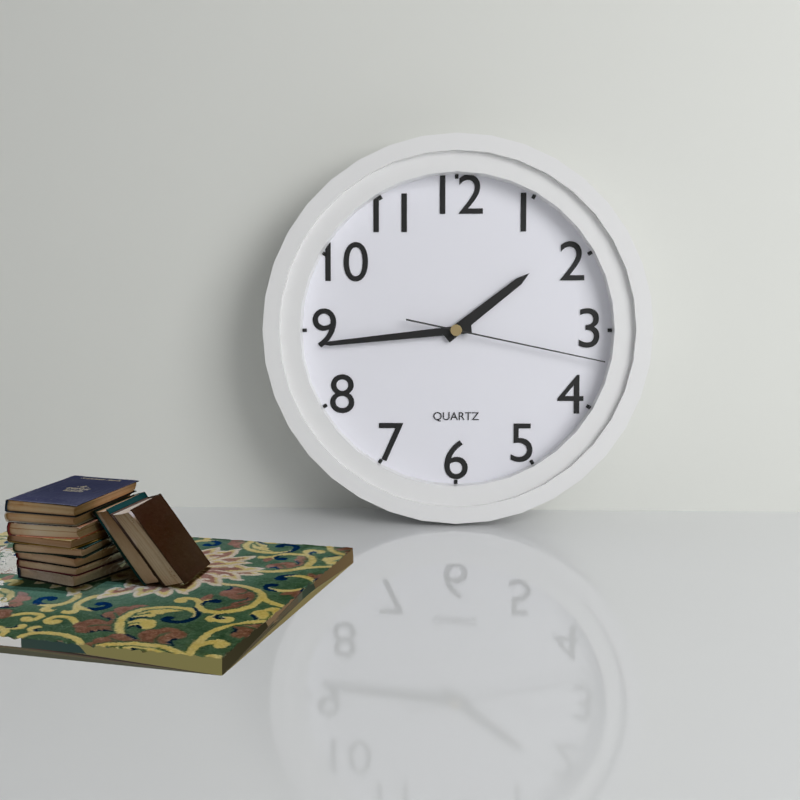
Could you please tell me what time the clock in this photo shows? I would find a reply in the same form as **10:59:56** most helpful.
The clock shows **1:44:17**
